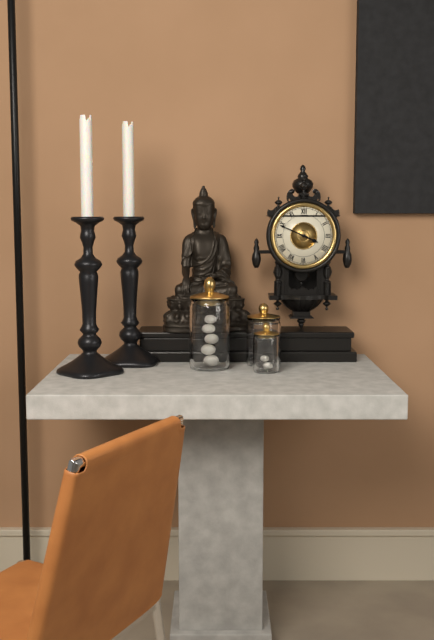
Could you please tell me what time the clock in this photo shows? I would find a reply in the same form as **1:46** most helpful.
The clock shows **3:49**
